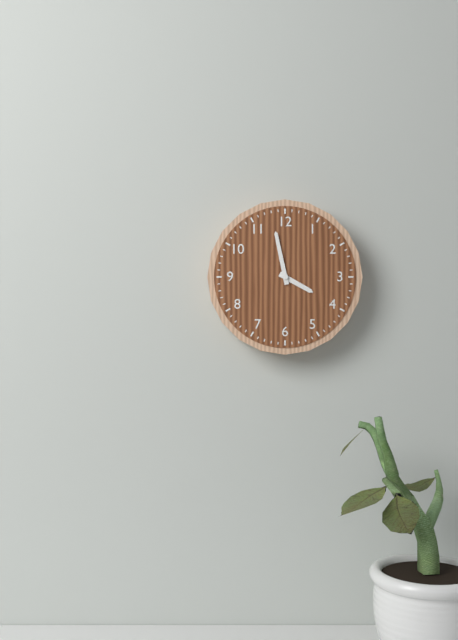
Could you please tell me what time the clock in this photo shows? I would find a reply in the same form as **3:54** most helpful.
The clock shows **3:58**
